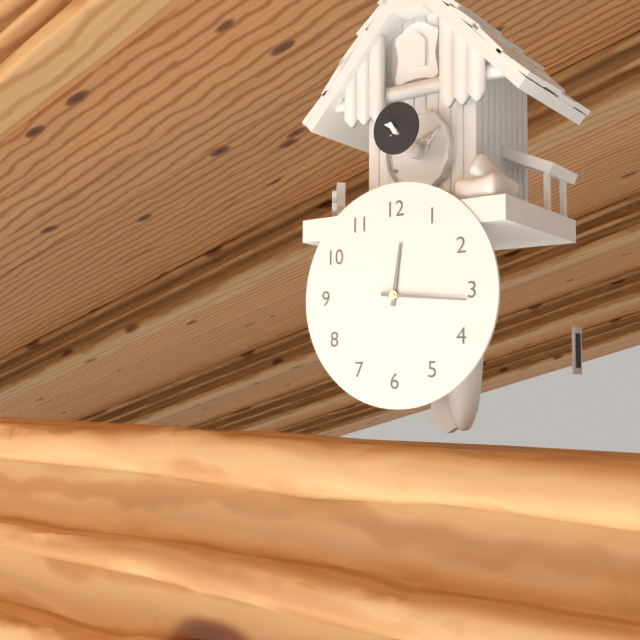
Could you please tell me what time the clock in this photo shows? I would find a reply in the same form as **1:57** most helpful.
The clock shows **12:16**
